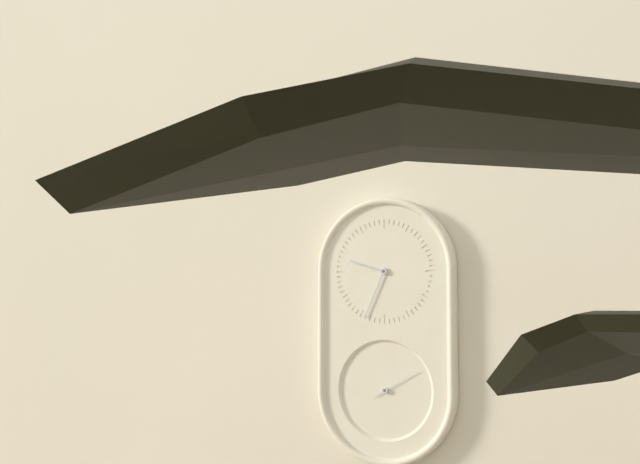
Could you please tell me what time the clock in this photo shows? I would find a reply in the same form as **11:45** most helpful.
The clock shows **9:34**
